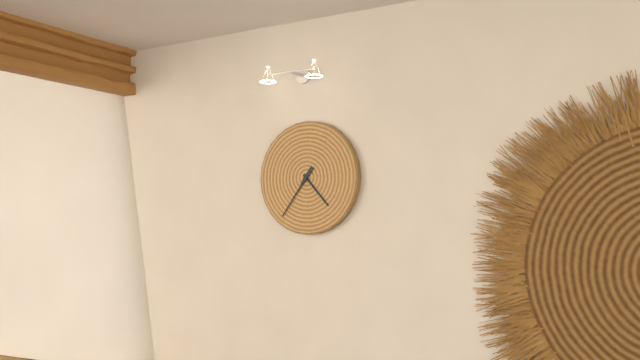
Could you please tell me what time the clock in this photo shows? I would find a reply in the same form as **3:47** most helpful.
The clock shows **4:36**
